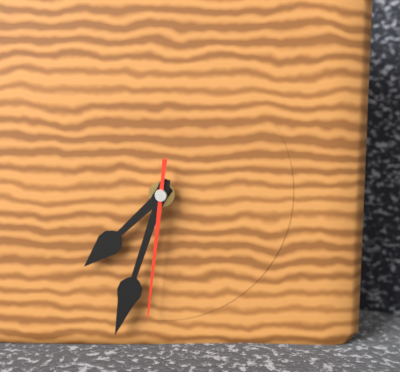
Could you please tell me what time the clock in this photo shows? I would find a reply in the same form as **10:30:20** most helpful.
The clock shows **7:33:31**
